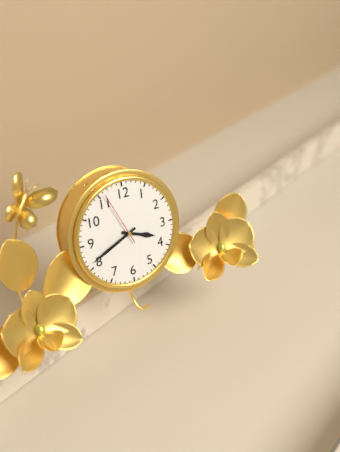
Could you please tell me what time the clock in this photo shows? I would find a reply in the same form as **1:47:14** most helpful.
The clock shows **3:41:56**
